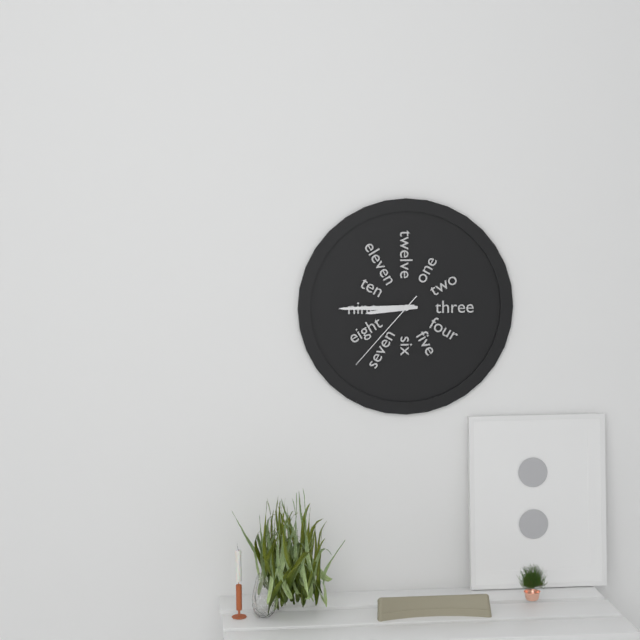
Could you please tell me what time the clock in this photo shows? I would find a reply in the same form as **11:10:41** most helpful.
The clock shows **8:45:37**
